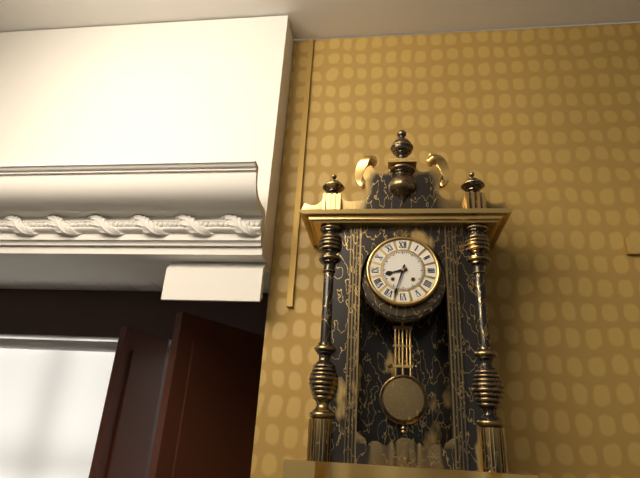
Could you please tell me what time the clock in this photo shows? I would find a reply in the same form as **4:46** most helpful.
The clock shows **8:33**
